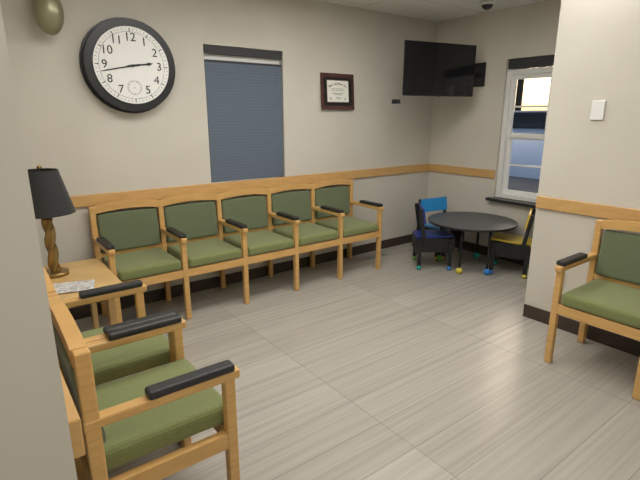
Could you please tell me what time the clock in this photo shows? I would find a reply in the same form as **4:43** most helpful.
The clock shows **2:43**
